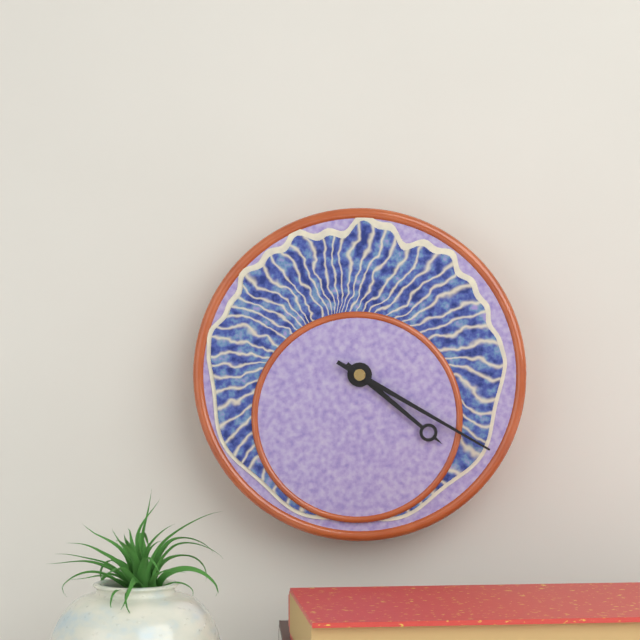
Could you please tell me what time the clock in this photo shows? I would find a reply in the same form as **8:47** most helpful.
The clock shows **4:20**
